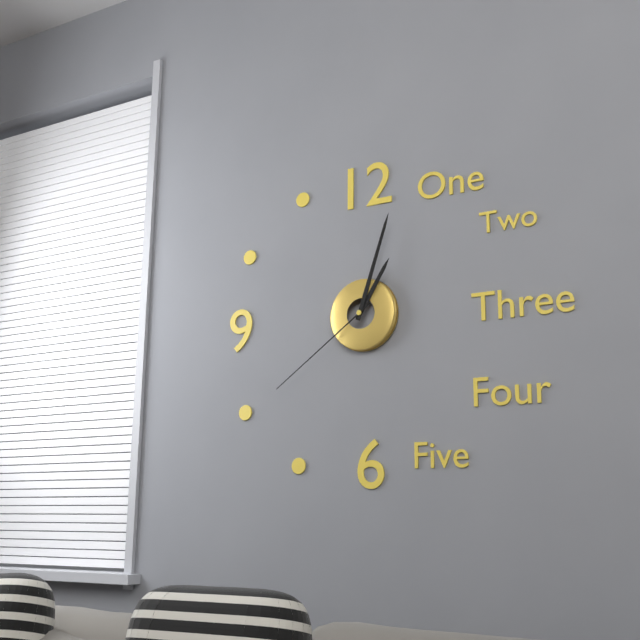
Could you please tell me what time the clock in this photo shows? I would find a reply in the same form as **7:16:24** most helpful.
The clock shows **1:03:39**
